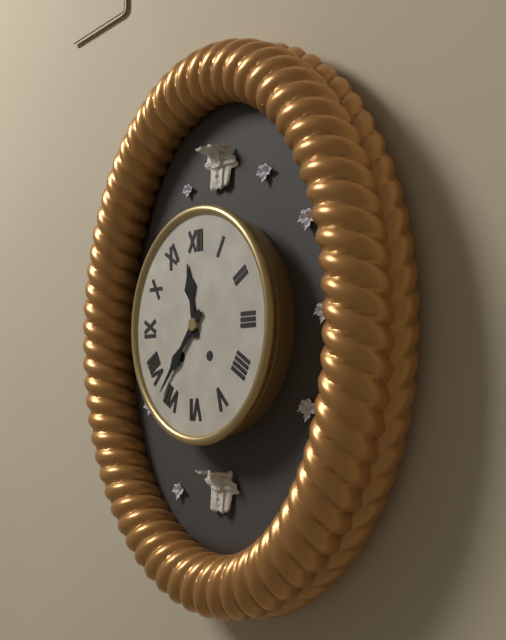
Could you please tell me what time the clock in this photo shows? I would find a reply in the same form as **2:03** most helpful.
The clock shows **11:37**
